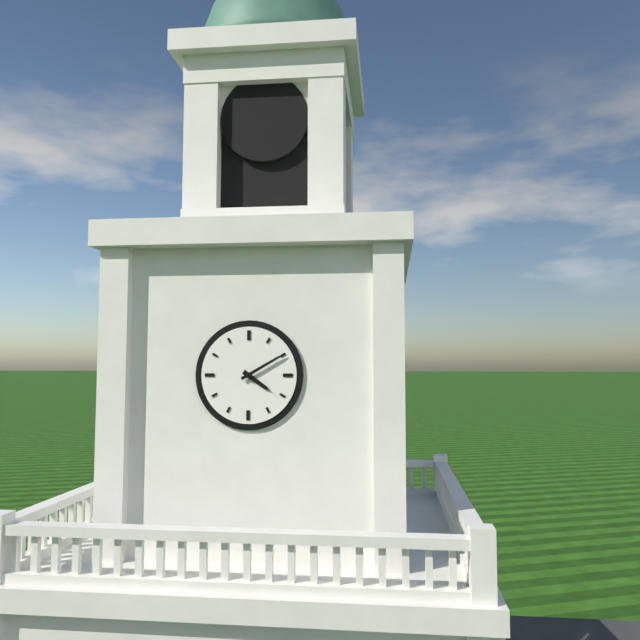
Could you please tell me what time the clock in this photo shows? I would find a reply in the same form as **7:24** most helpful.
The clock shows **4:10**
